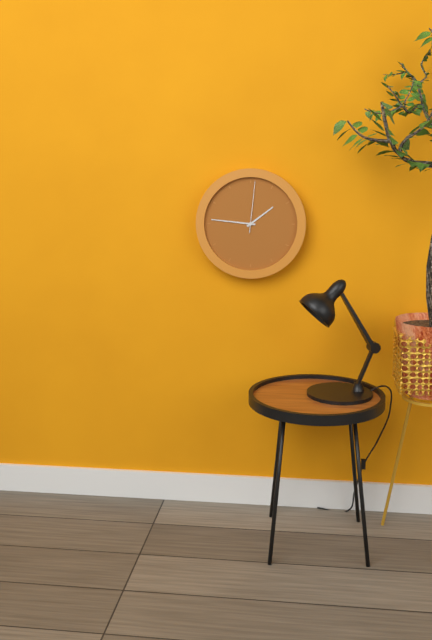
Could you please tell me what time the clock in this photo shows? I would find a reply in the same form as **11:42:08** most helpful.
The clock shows **1:46:01**
